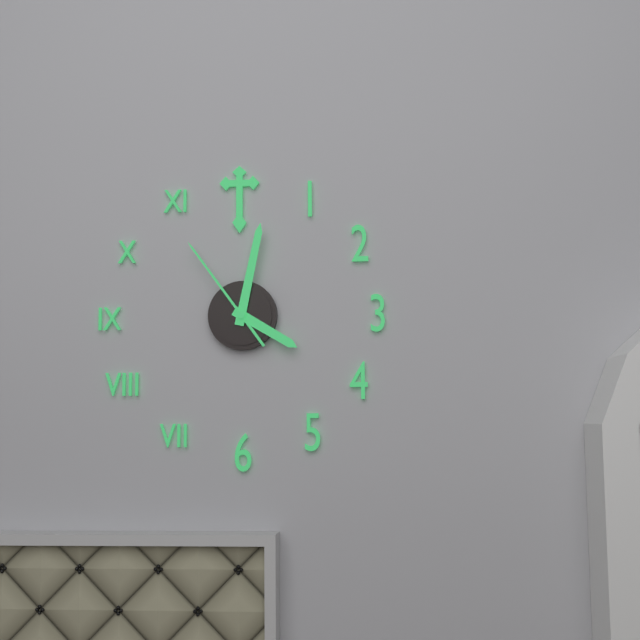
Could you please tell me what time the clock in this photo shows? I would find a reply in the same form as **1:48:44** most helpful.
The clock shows **4:02:54**
